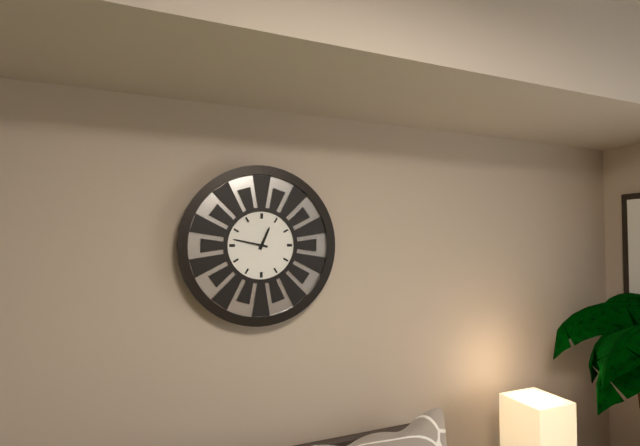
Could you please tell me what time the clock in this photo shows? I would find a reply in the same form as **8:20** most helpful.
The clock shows **12:47**
